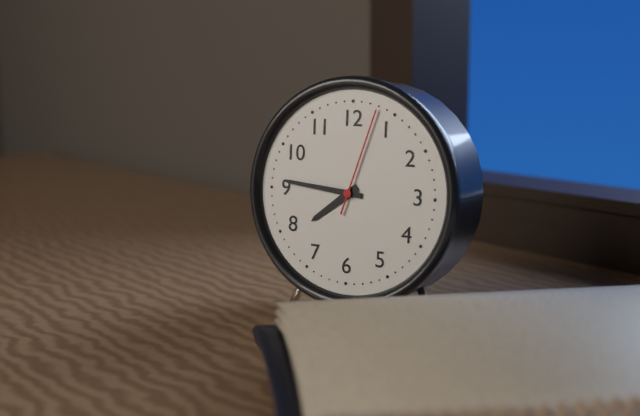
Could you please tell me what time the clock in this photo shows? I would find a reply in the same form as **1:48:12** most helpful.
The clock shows **7:46:03**
